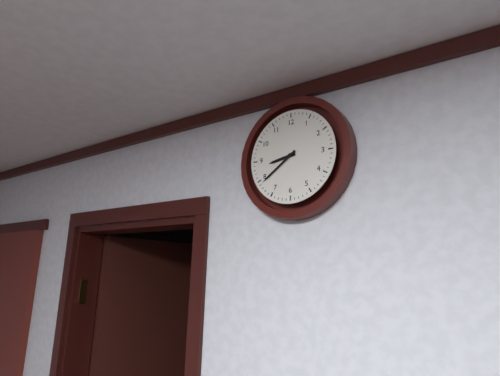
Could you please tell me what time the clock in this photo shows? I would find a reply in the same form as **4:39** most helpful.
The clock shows **8:39**
